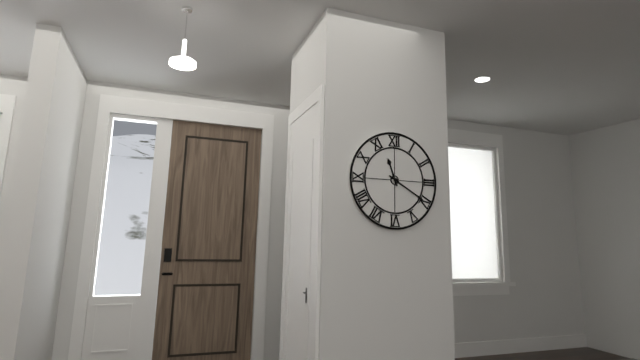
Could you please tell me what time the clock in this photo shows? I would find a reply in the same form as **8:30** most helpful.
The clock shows **11:20**
